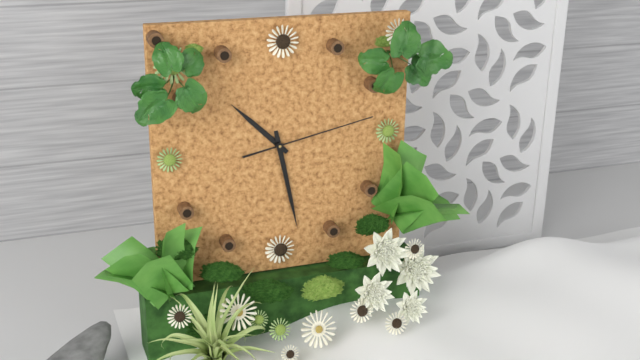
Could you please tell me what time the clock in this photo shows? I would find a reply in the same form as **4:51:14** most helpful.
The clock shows **10:28:13**
